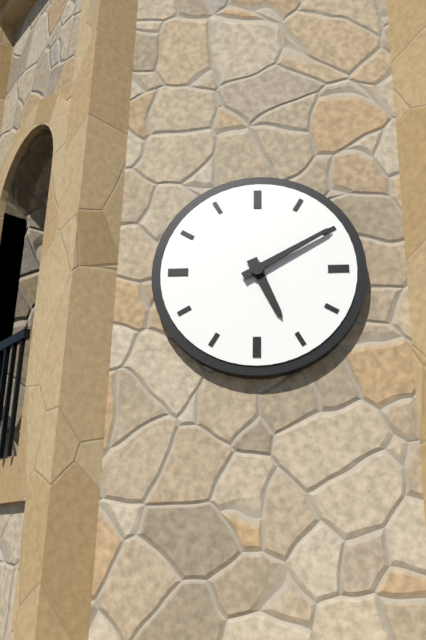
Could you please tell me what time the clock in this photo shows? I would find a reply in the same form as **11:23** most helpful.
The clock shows **5:10**
